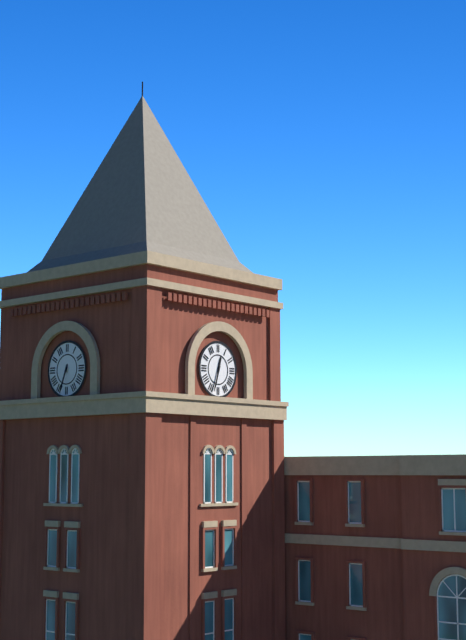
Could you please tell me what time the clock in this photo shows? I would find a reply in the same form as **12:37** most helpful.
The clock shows **12:33**
